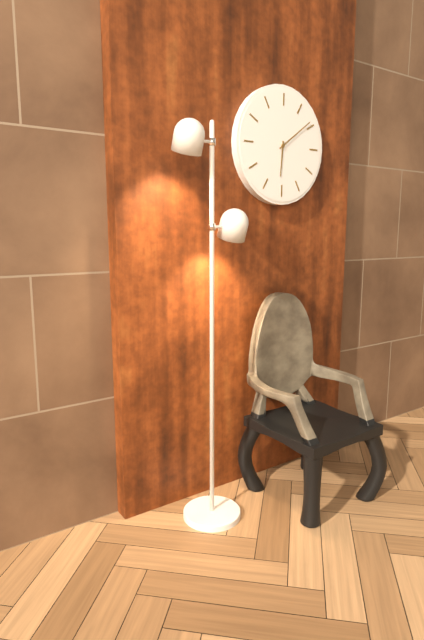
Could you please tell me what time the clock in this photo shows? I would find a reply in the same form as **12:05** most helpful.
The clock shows **6:09**
